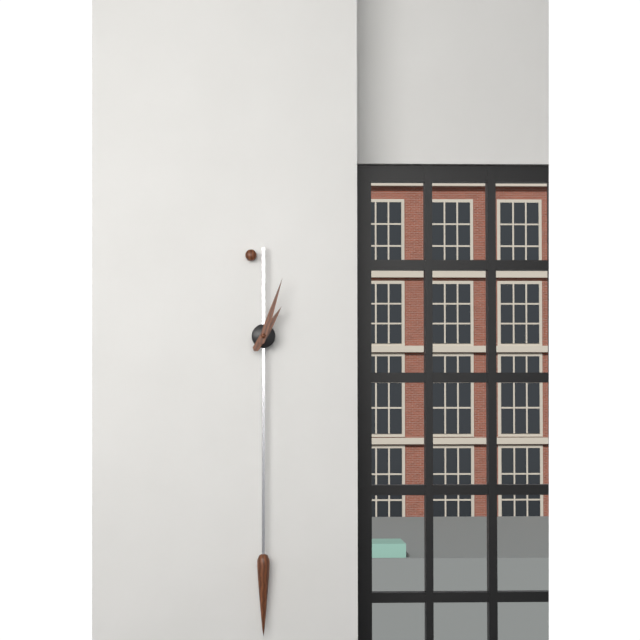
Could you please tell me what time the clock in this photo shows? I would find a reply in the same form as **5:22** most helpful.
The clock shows **1:03**
